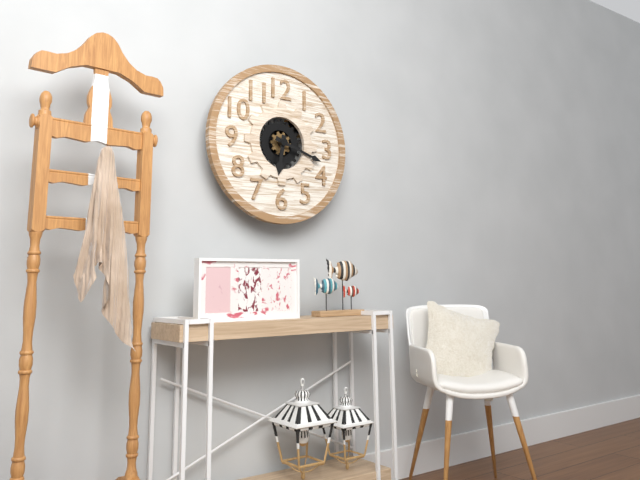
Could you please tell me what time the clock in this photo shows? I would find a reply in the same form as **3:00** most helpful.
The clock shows **6:18**
